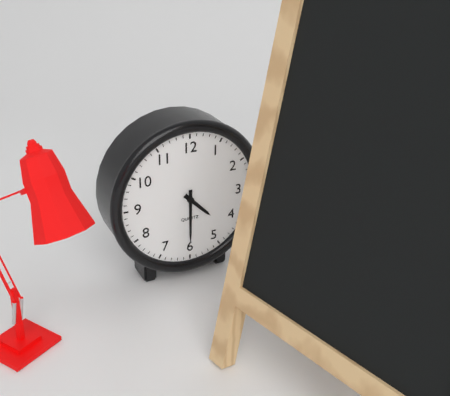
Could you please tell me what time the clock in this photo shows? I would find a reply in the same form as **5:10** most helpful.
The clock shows **4:30**
